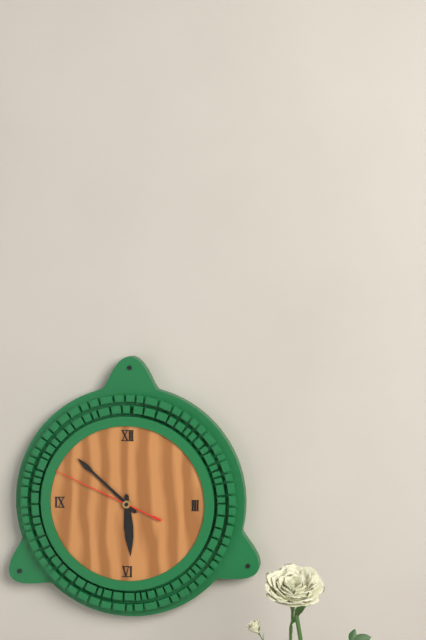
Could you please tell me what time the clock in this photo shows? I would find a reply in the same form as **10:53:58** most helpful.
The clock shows **5:52:49**
